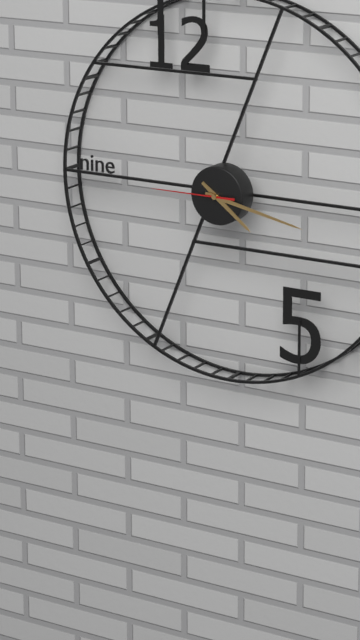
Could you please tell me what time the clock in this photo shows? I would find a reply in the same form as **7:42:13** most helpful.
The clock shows **4:17:45**
